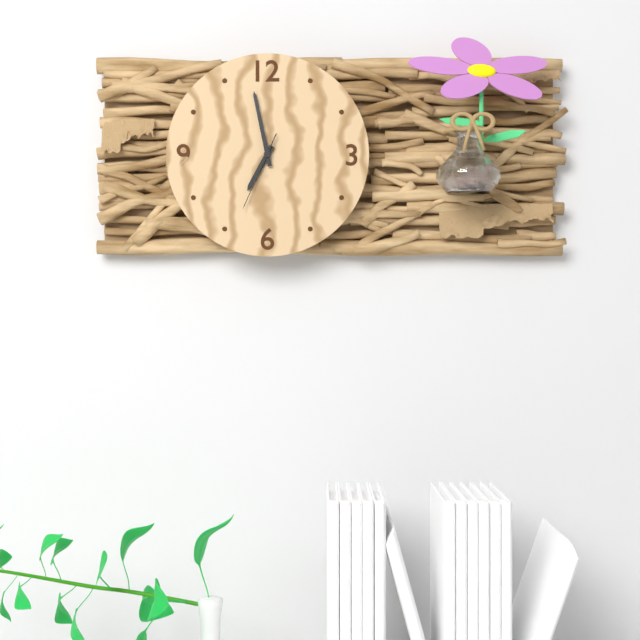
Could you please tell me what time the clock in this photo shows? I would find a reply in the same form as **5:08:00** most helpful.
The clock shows **6:58:34**
